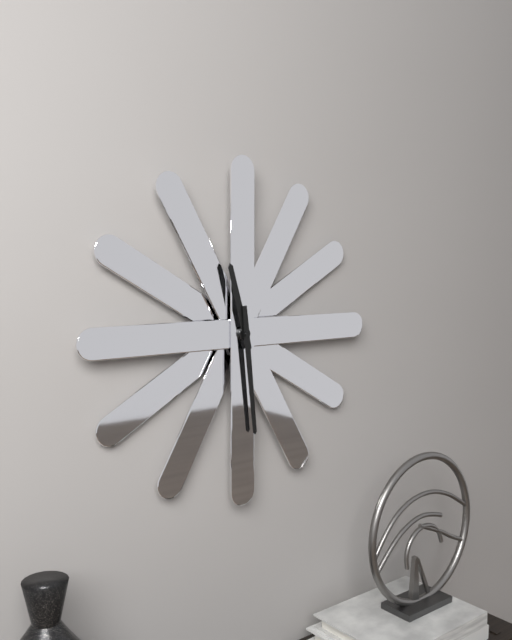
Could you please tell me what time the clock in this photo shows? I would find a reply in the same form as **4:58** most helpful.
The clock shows **11:29**
